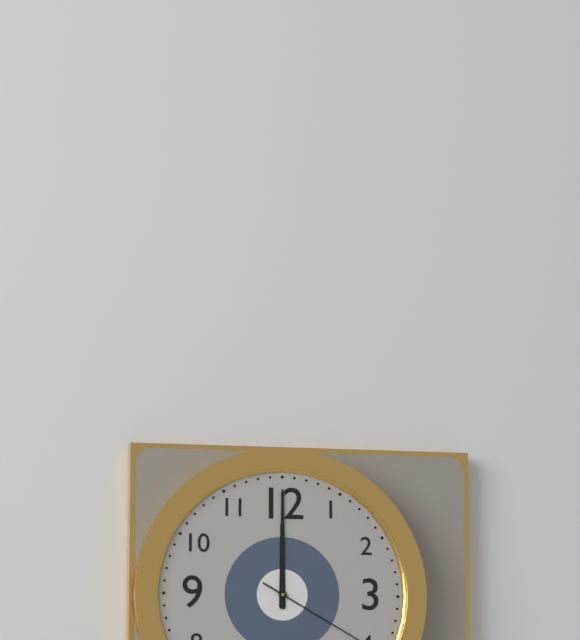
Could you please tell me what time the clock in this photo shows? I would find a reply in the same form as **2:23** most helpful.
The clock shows **12:00**
